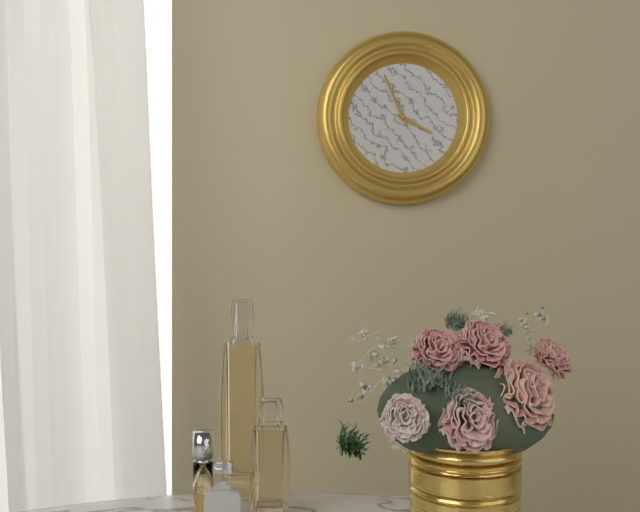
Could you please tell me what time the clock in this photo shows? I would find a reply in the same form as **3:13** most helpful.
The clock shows **3:56**
